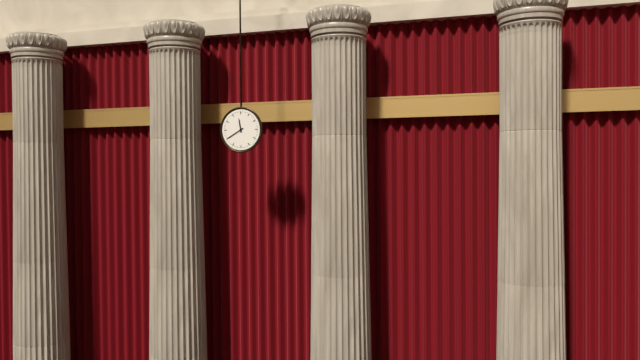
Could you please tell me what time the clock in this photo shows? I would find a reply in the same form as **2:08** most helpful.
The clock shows **11:40**
